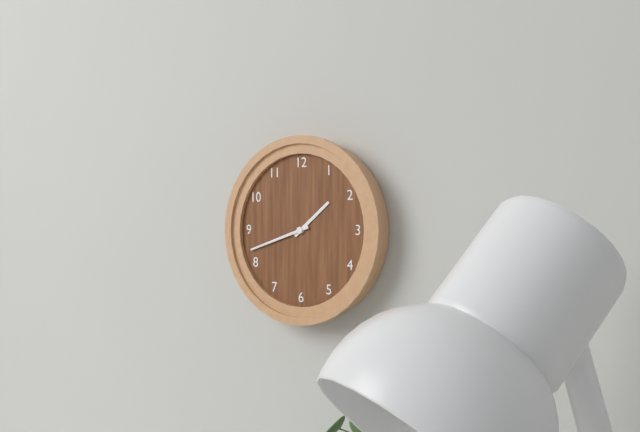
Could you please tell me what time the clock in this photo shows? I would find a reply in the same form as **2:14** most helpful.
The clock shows **1:42**
